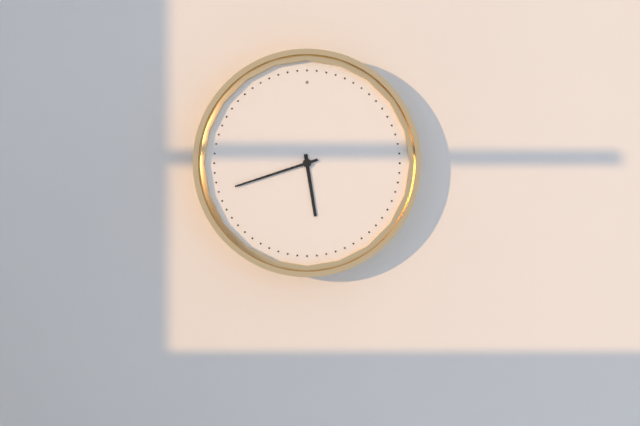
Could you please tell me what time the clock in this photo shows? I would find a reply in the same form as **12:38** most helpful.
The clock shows **5:42**
